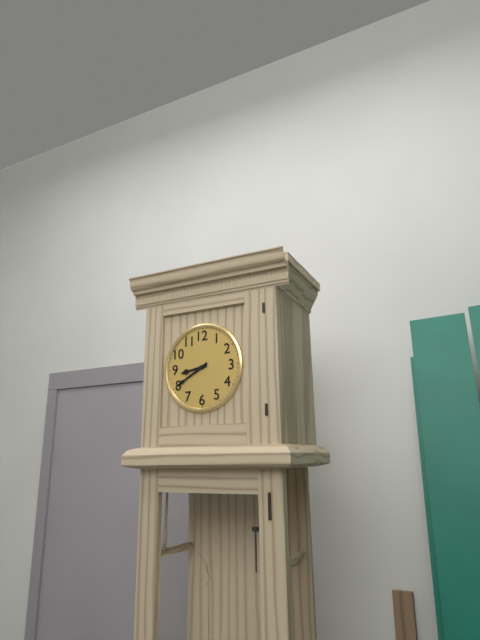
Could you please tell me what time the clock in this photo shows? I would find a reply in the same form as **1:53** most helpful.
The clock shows **8:40**
